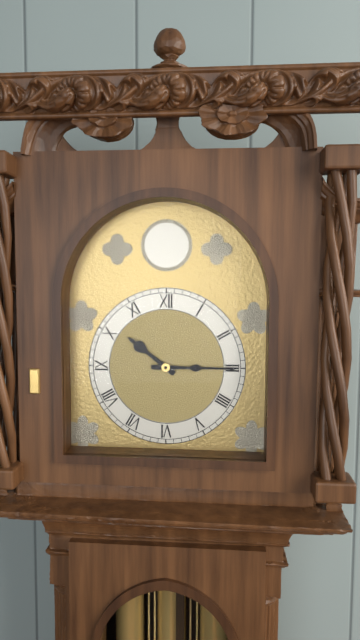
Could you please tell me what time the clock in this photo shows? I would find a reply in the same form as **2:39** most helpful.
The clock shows **10:15**
